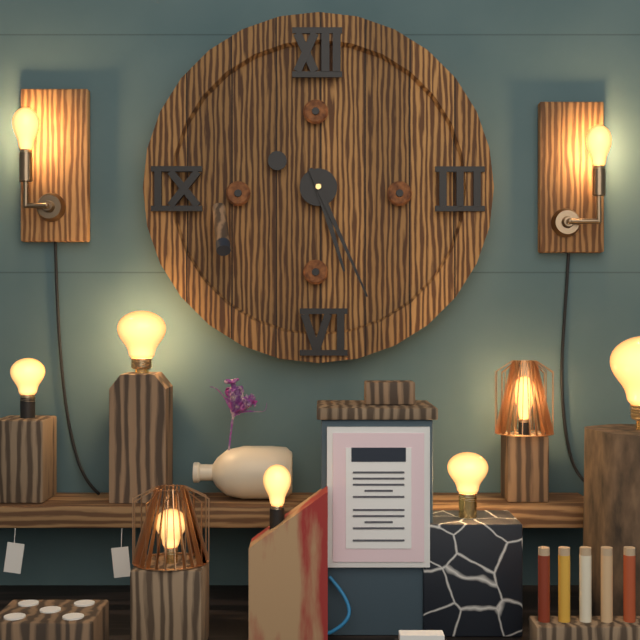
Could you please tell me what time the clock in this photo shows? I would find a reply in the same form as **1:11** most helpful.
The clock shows **5:26**
